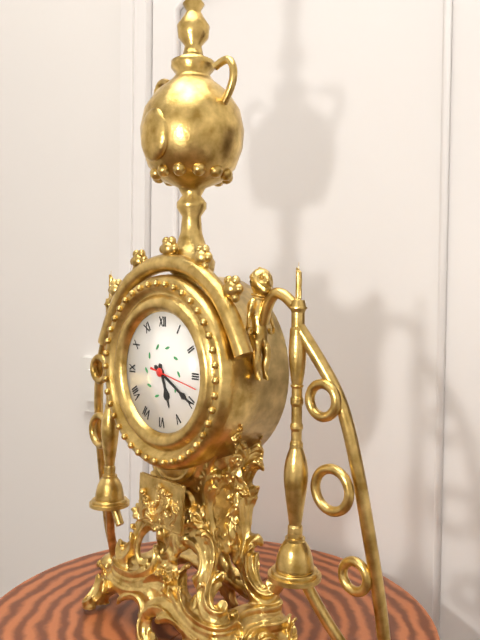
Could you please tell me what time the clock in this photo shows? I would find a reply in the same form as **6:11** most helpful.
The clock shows **5:20**
